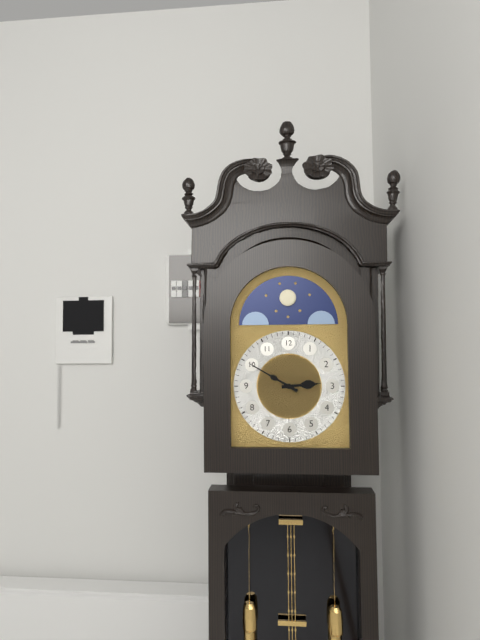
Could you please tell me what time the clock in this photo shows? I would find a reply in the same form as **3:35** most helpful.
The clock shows **2:50**
